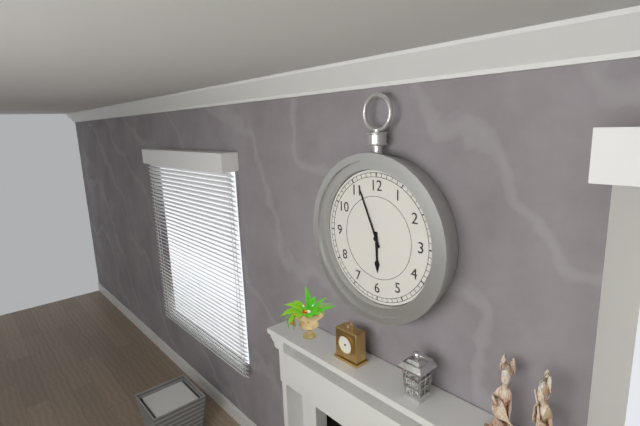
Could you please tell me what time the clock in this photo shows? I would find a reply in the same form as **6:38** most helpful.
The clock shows **5:56**
